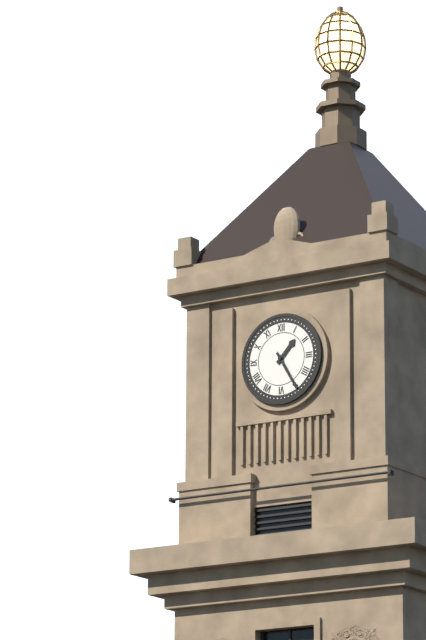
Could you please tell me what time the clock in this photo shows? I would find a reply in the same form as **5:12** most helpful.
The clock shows **1:25**
